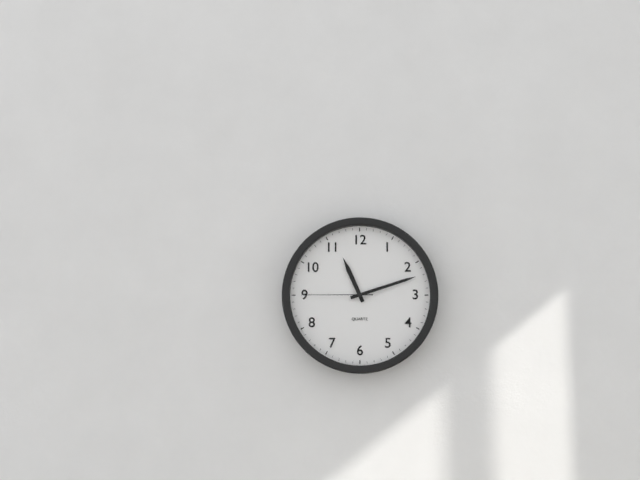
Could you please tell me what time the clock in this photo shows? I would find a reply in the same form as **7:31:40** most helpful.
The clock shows **11:12:45**
